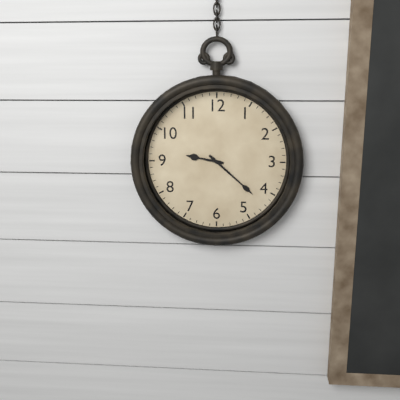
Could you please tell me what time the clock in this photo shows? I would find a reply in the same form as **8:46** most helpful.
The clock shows **9:22**
